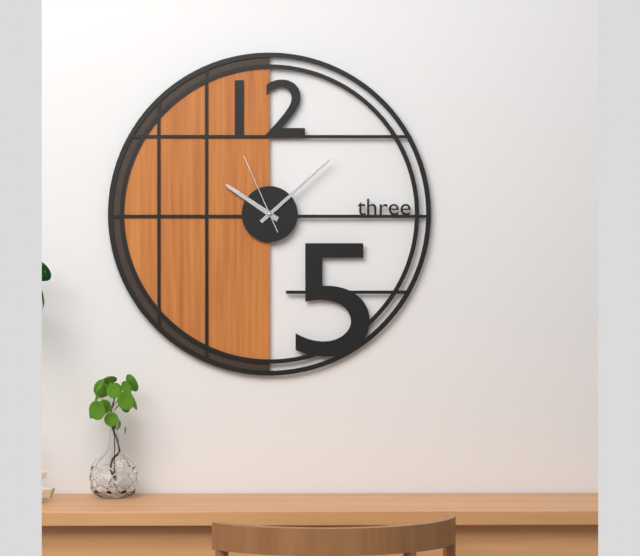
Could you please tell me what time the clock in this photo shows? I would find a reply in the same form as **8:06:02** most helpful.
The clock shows **10:08:56**
